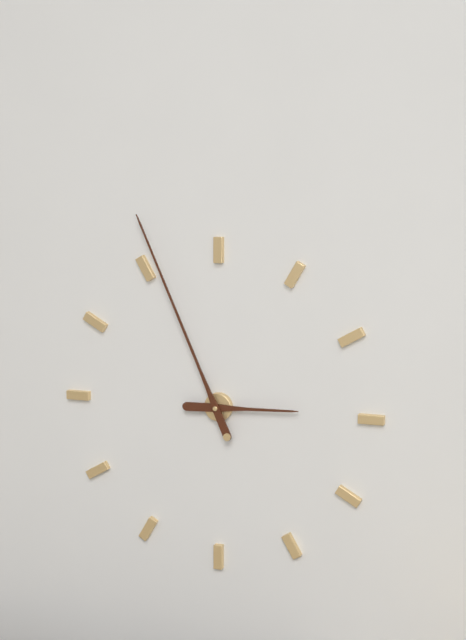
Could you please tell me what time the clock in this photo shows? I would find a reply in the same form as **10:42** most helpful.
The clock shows **2:56**
